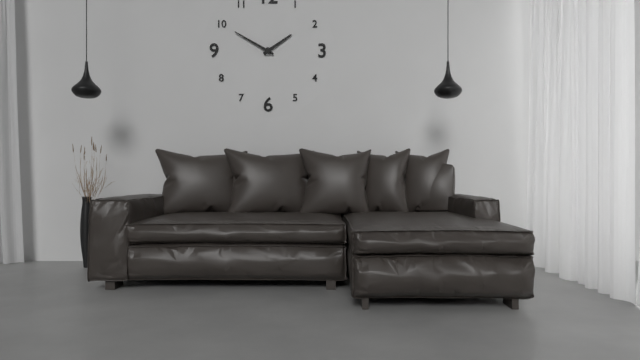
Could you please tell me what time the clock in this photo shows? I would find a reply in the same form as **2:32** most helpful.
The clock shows **1:50**
